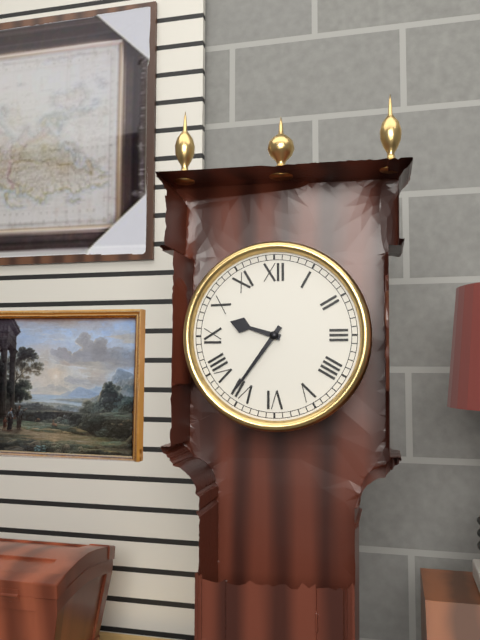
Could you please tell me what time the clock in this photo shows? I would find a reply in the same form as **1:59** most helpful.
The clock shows **9:36**
